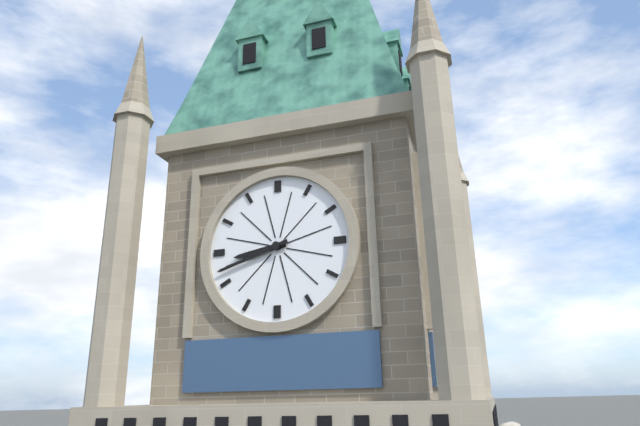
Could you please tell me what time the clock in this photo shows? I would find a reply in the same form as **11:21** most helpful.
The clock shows **8:42**
